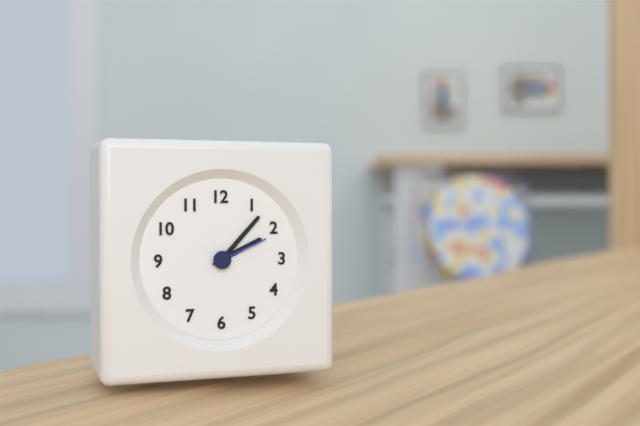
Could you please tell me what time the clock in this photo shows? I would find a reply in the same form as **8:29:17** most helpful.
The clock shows **2:07:11**
